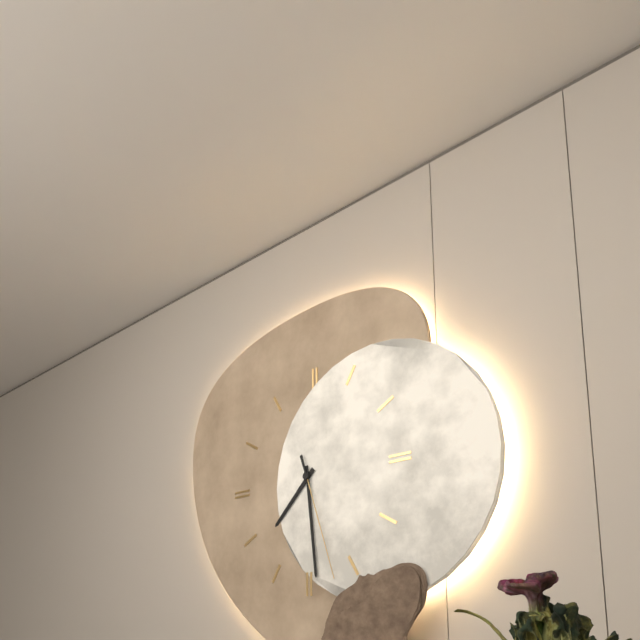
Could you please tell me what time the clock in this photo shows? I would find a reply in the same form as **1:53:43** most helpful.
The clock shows **7:29:27**
